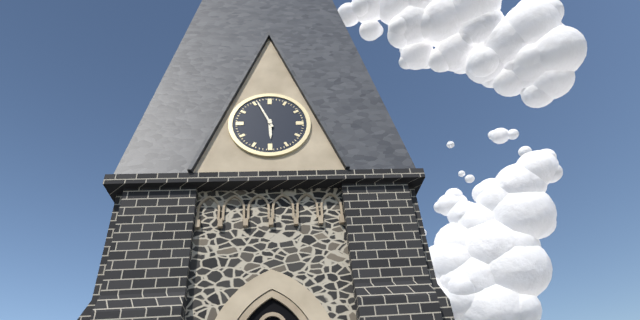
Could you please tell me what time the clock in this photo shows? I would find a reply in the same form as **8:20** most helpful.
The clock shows **5:56**
